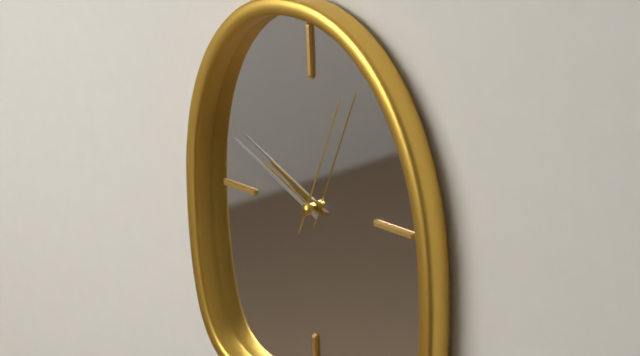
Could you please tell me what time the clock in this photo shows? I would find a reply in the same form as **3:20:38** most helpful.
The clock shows **9:49:04**
